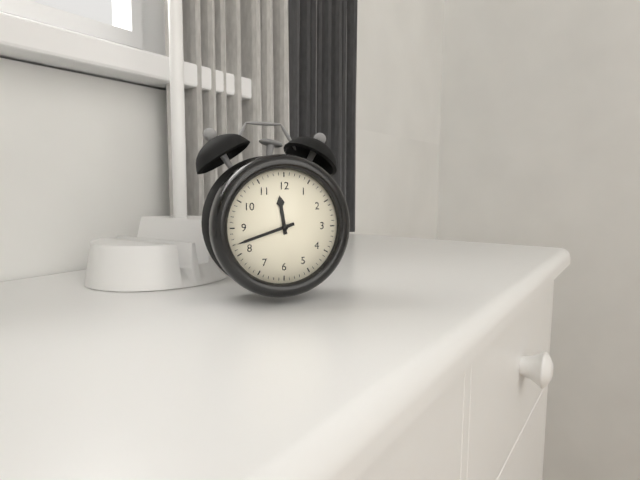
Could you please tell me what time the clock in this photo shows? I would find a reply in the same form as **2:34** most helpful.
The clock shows **11:42**
